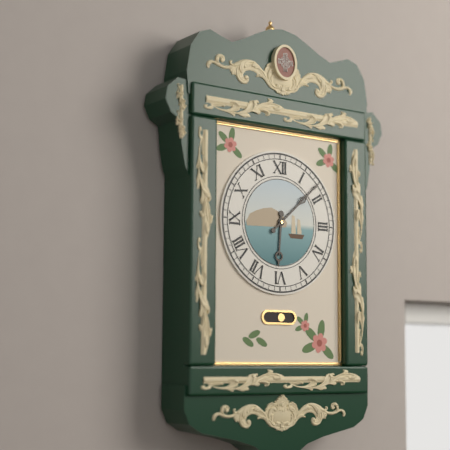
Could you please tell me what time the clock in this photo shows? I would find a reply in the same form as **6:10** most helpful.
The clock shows **6:08**
